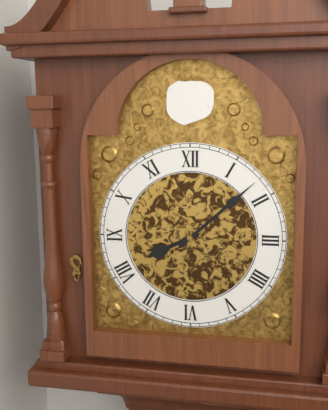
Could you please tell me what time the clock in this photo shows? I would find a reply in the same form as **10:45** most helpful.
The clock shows **8:08**
